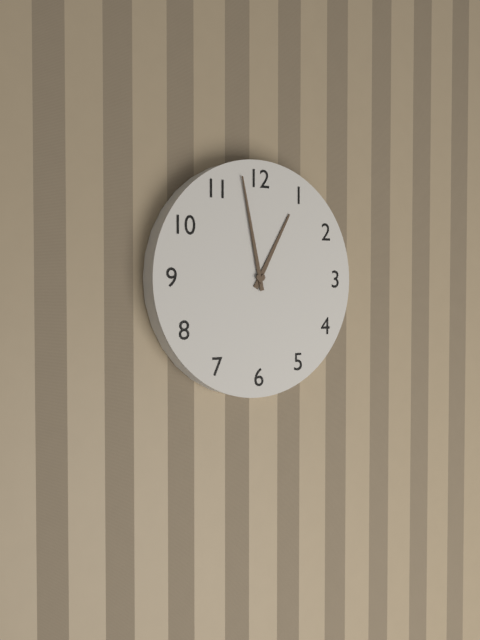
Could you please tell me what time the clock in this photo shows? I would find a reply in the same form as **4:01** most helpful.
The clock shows **12:58**
